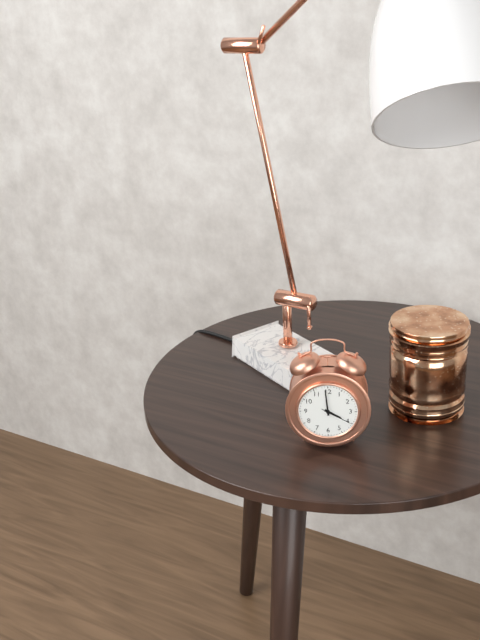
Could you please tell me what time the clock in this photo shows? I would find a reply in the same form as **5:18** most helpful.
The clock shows **3:59**
